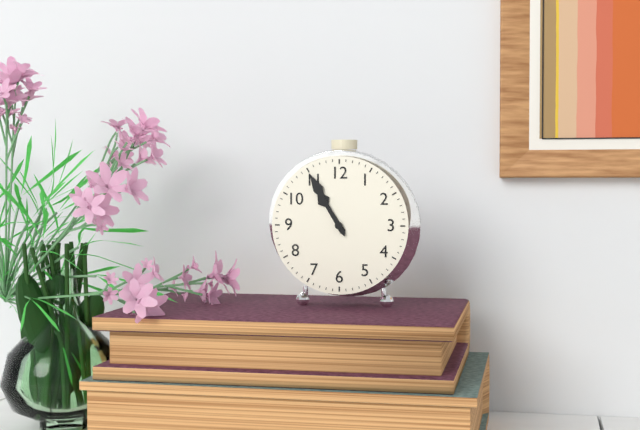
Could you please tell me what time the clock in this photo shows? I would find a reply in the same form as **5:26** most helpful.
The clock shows **10:55**
